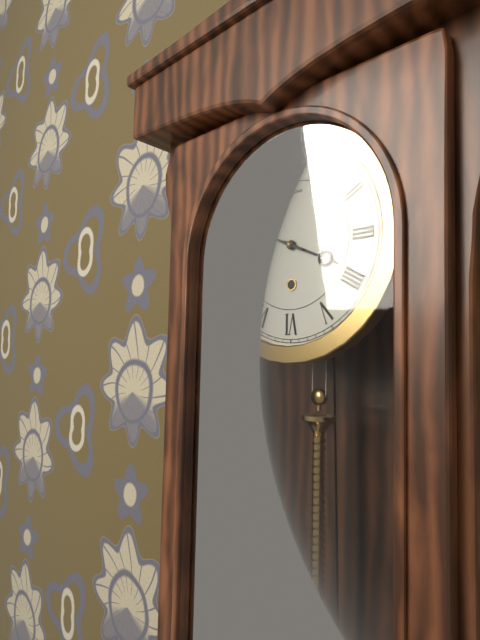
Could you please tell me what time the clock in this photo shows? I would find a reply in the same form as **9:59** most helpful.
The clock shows **3:49**
